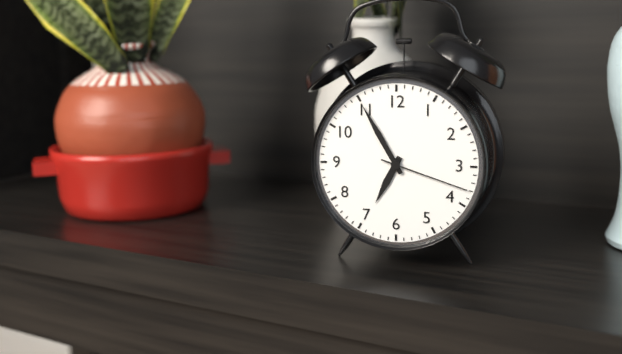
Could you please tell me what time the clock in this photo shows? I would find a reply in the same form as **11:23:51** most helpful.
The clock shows **6:55:18**
